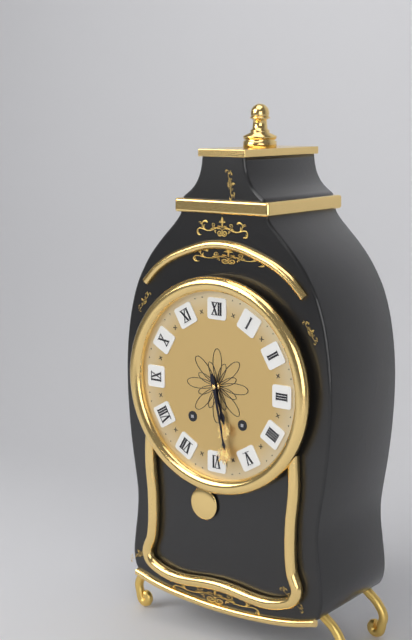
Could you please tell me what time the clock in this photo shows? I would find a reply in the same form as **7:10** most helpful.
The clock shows **5:28**
